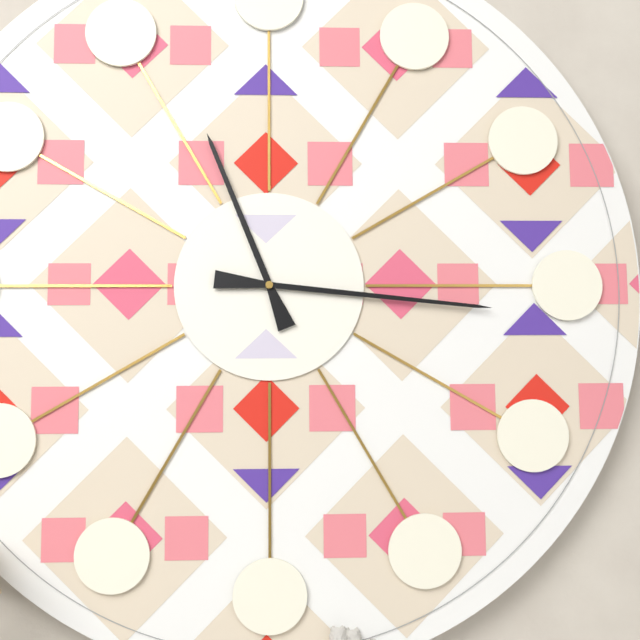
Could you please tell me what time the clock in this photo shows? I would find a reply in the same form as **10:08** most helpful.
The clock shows **11:16**
